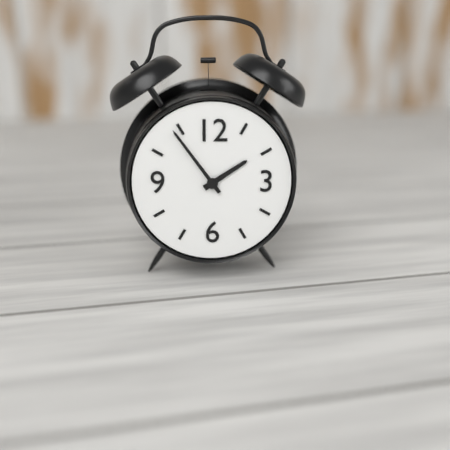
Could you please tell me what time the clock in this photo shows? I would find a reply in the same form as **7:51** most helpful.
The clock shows **1:54**
